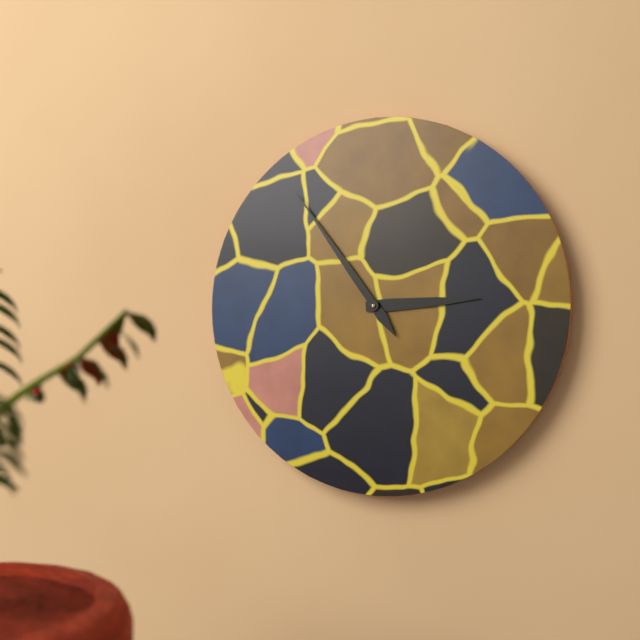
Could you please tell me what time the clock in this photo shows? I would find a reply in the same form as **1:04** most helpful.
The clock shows **2:54**
